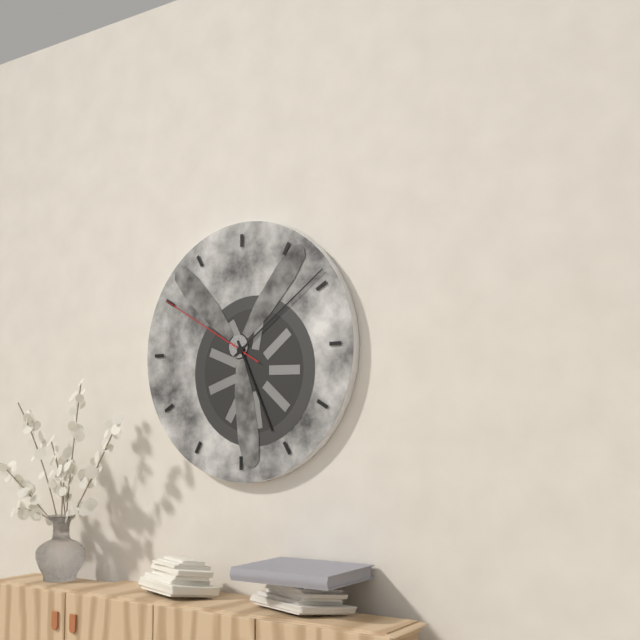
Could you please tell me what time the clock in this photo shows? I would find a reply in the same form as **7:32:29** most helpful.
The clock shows **5:09:50**
